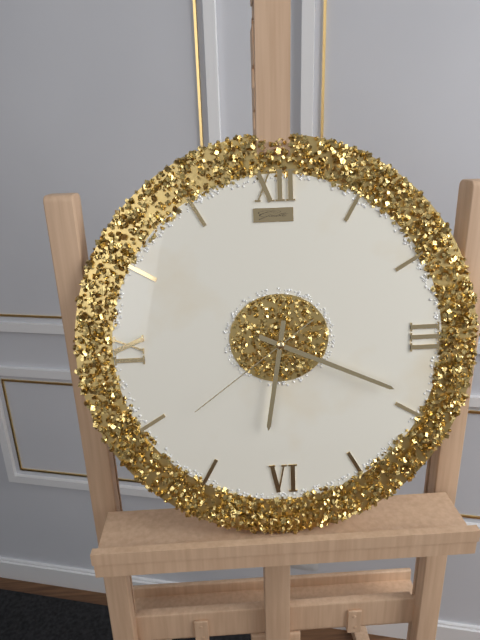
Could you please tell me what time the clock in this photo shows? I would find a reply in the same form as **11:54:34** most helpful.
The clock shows **6:19:39**
